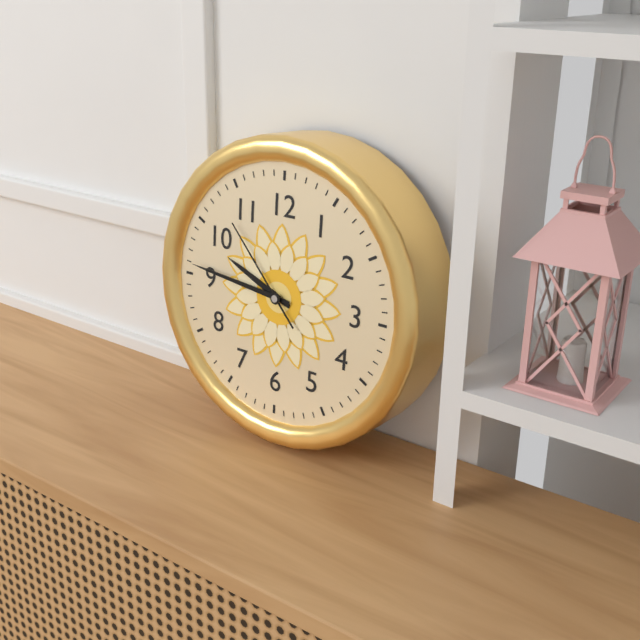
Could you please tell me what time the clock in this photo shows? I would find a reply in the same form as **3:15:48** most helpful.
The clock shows **9:46:53**
